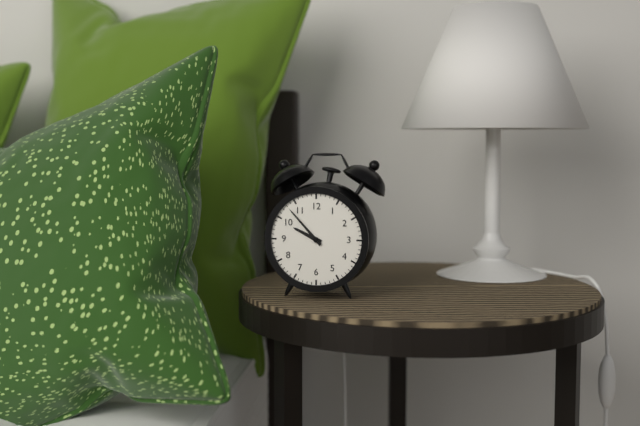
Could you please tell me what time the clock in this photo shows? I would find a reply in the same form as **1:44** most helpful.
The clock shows **9:53**
